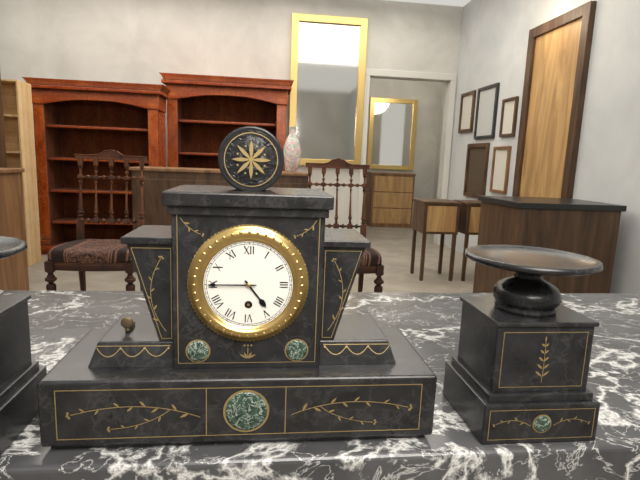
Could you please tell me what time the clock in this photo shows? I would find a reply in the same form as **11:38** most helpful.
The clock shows **4:45**
